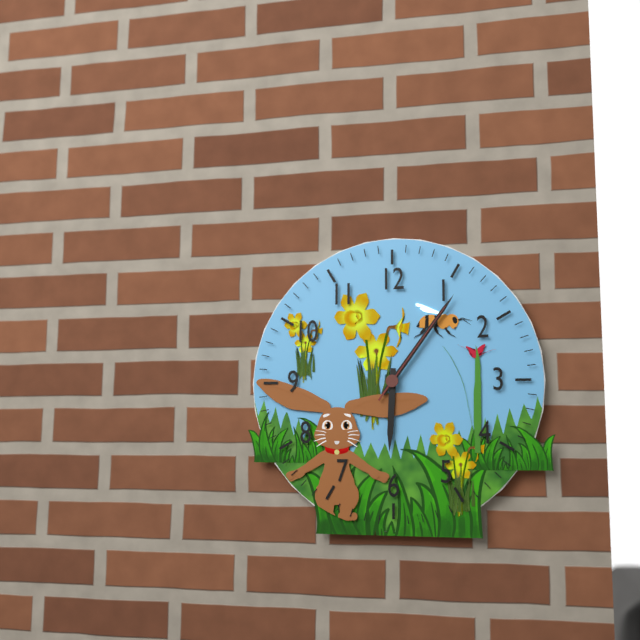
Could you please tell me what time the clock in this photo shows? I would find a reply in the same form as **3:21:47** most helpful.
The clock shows **6:06:06**
